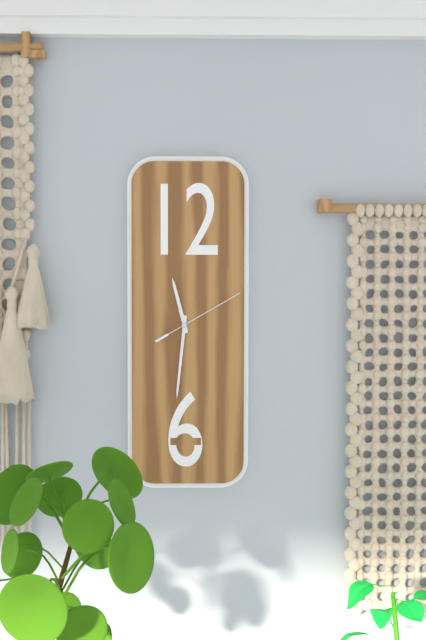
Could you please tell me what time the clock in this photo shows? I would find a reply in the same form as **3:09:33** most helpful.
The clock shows **11:31:10**
